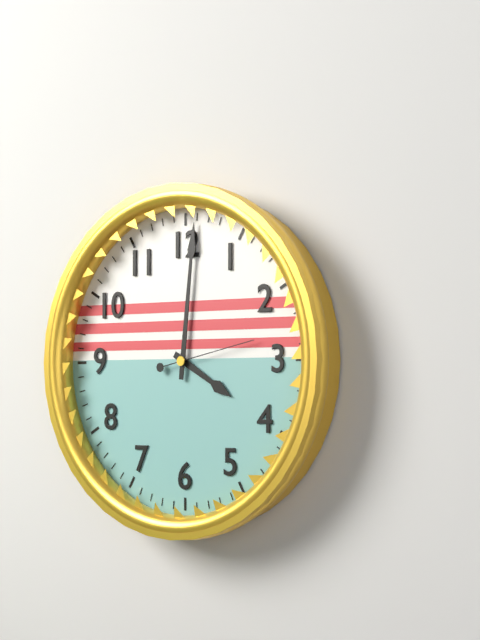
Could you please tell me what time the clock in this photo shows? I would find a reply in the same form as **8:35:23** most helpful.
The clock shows **4:01:13**
